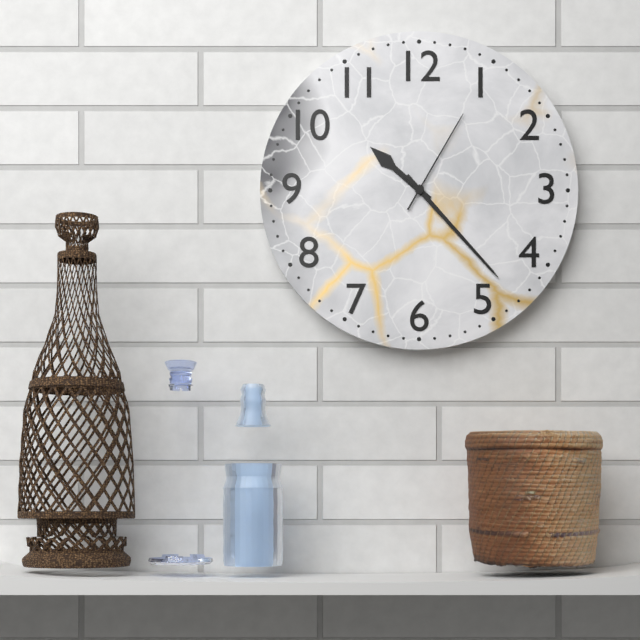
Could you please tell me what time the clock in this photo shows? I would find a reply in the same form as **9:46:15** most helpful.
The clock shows **10:23:05**
